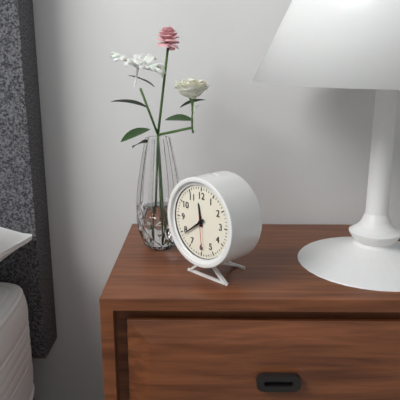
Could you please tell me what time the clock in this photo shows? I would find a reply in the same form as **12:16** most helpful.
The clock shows **11:39**
